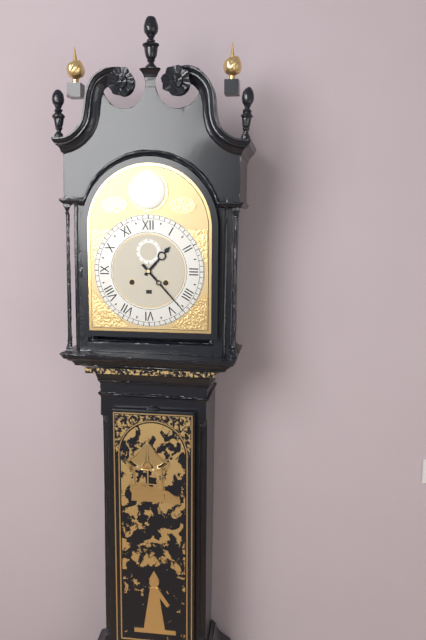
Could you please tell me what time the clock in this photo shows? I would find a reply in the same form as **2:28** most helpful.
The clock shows **1:23**
